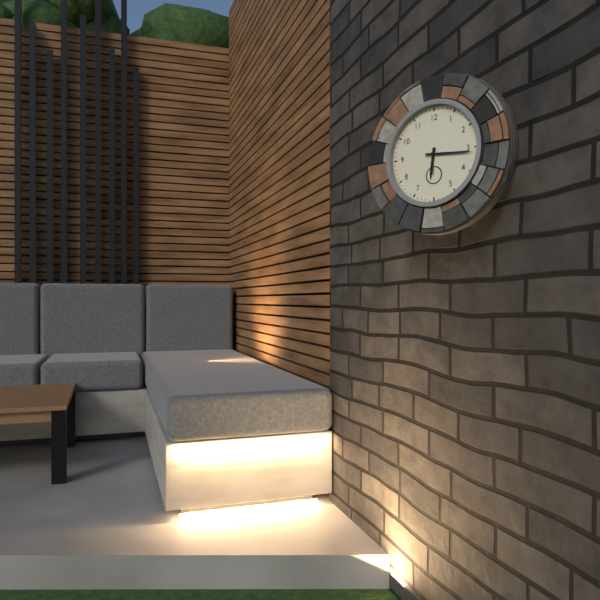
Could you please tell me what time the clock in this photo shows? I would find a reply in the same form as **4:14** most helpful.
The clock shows **6:16**
